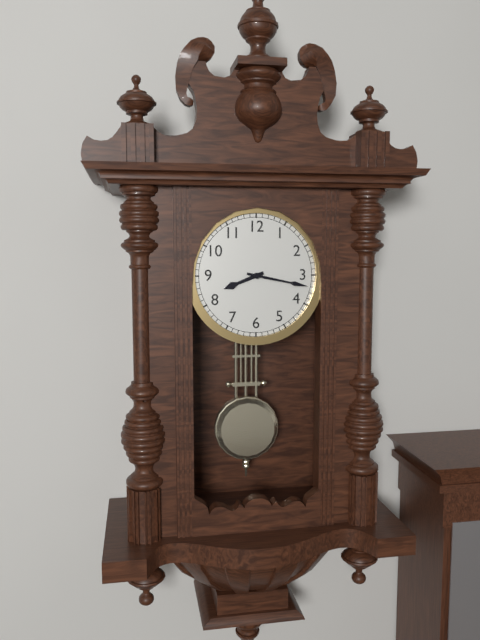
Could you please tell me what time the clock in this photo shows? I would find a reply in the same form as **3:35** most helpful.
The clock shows **8:17**
